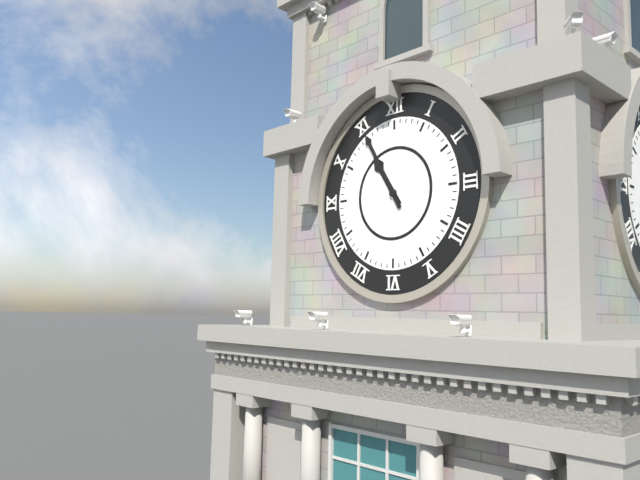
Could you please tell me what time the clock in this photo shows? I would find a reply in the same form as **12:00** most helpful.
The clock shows **10:55**
